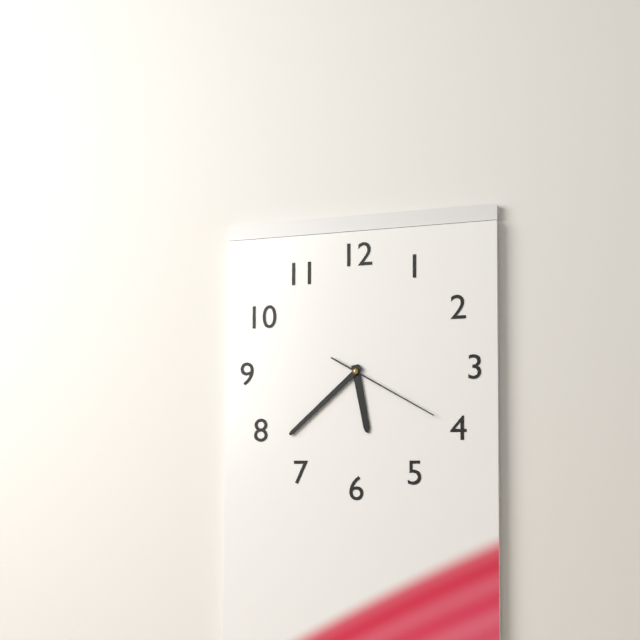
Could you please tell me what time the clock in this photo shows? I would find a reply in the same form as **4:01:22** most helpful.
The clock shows **5:38:20**
